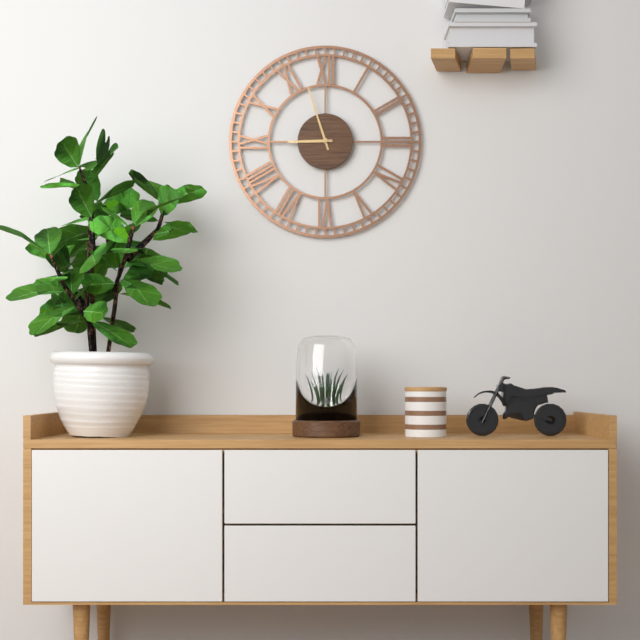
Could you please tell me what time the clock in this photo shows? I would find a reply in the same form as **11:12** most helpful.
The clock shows **8:57**
